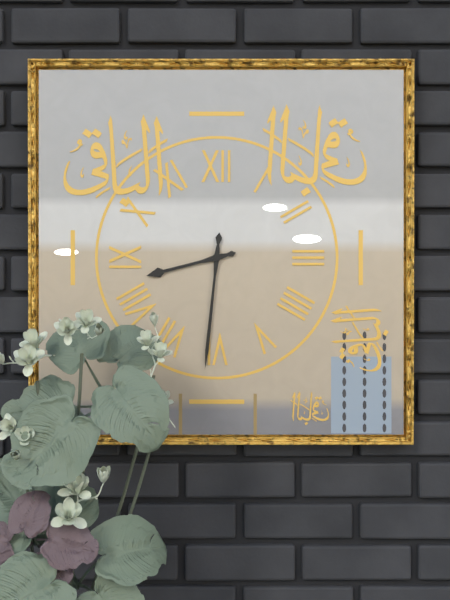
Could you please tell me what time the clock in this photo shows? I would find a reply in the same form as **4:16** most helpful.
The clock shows **8:31**
